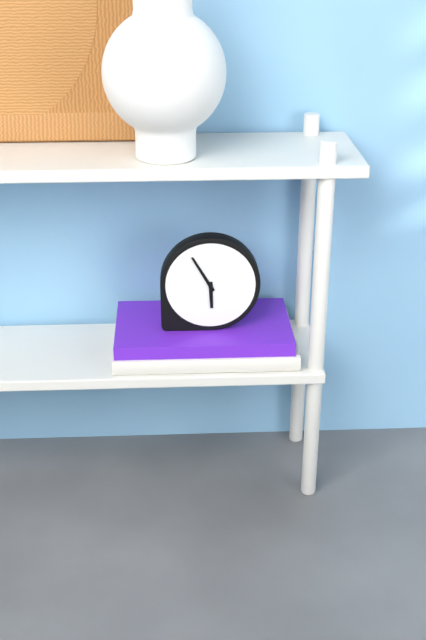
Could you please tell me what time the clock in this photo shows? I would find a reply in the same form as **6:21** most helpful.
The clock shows **5:55**
